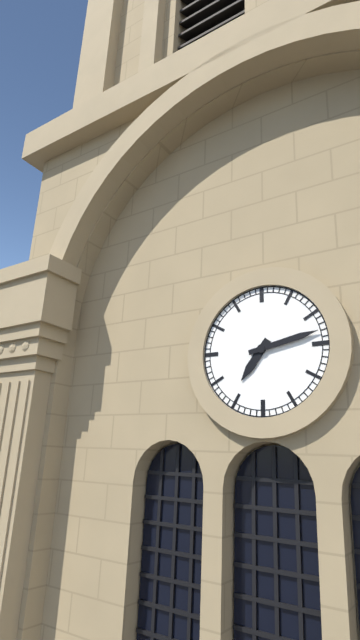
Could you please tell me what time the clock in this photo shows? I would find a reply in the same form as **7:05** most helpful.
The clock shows **7:13**
